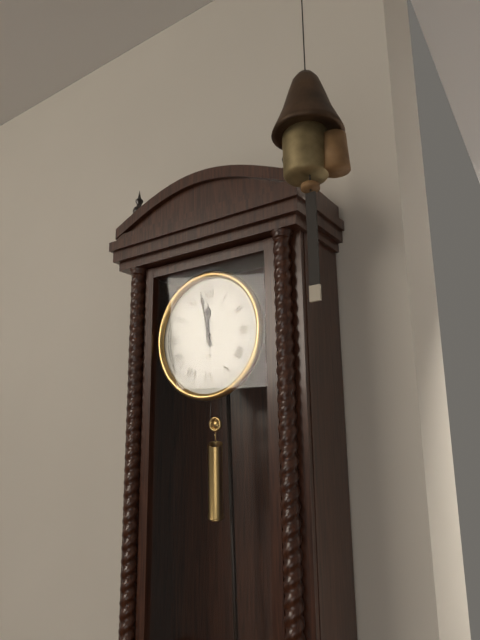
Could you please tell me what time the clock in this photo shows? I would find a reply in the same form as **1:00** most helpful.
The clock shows **11:58**
